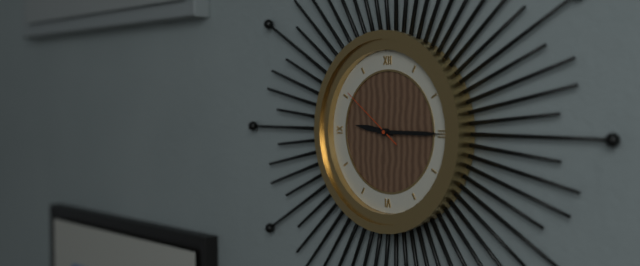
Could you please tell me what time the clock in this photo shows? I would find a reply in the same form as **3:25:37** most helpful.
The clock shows **9:15:51**
